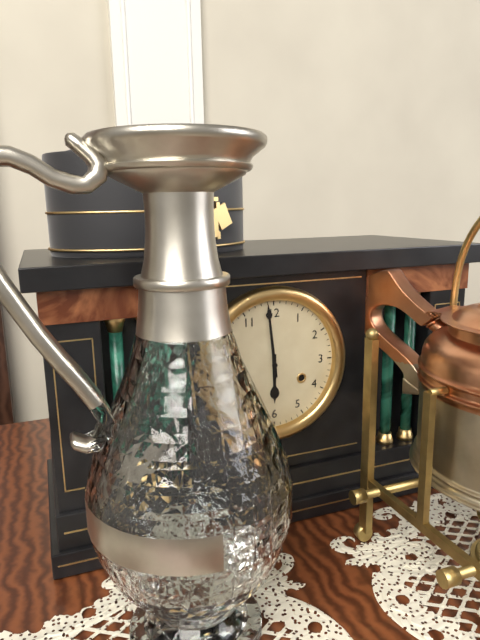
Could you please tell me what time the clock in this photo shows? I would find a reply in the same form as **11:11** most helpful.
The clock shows **5:59**
